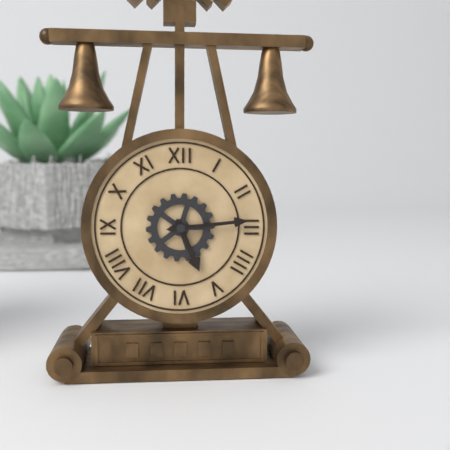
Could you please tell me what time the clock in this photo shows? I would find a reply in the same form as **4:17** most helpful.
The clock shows **5:14**
